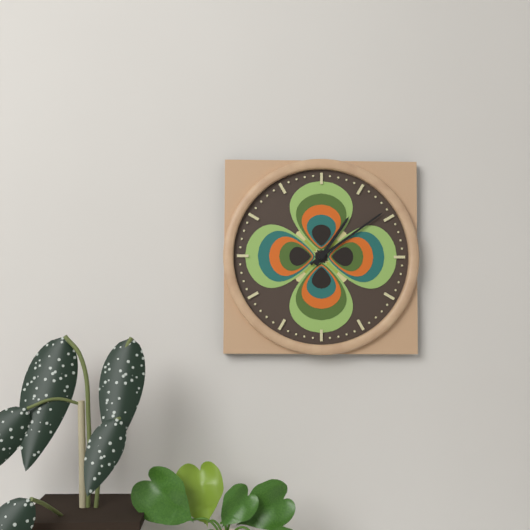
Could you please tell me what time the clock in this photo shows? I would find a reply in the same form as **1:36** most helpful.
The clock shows **1:09**
